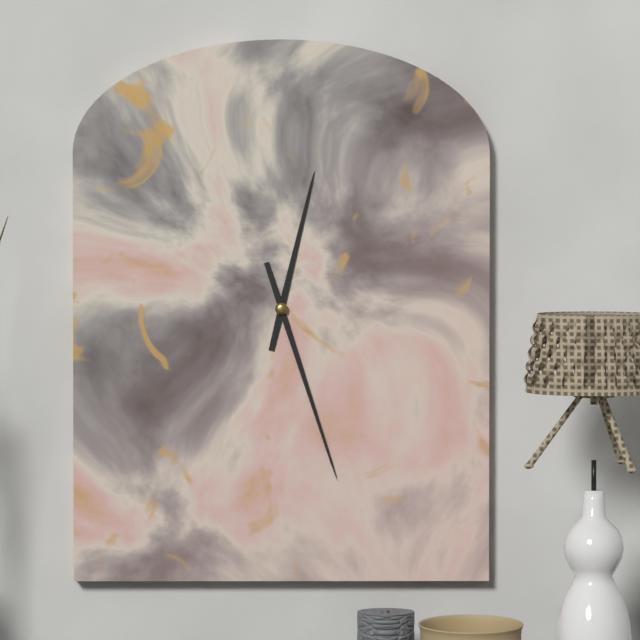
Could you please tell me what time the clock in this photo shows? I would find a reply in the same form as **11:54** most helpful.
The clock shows **12:27**
